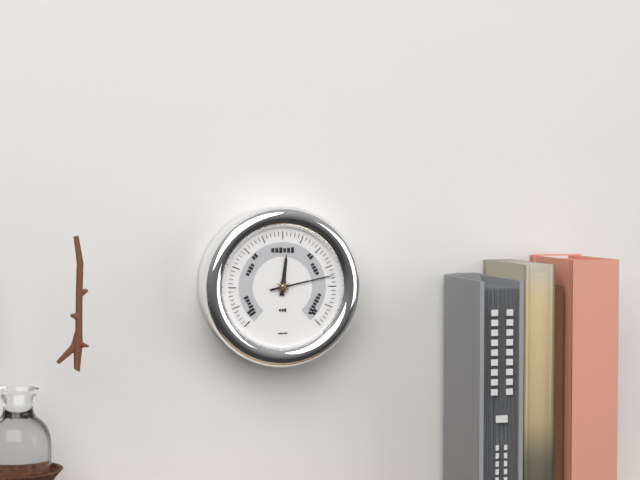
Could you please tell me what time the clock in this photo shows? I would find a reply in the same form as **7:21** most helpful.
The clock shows **12:13**
